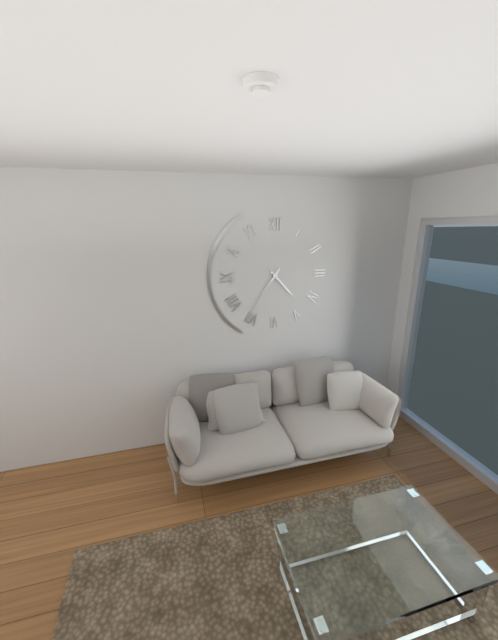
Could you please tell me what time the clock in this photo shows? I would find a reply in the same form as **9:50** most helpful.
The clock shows **4:36**
